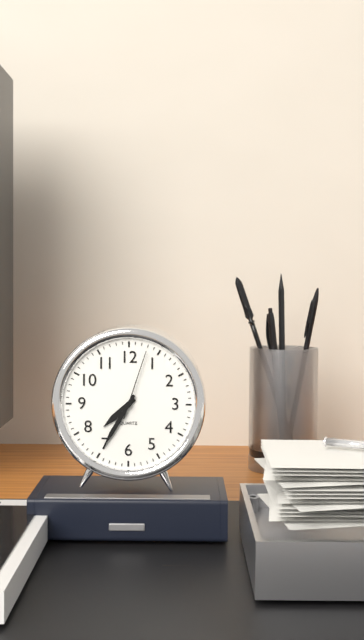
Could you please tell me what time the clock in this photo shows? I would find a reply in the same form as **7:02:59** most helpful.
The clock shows **7:35:03**
